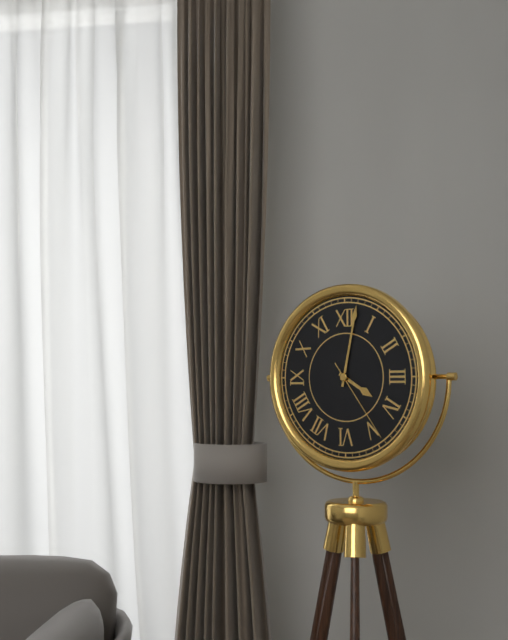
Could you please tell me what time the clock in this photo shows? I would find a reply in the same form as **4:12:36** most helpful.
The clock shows **4:02:24**
